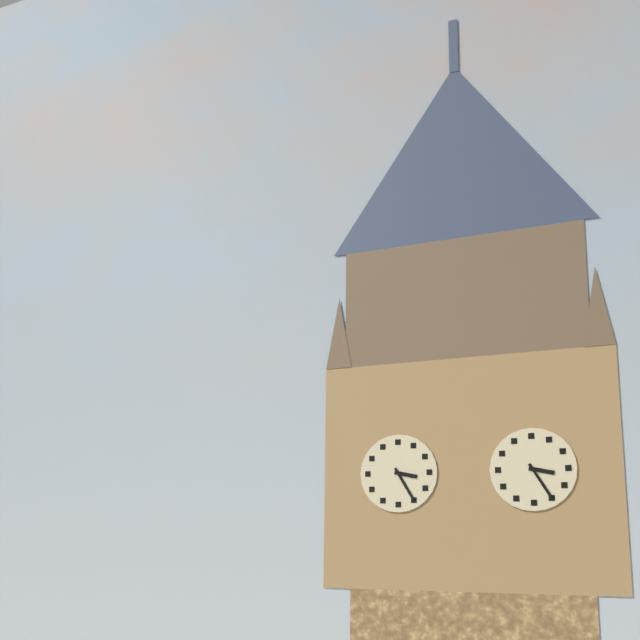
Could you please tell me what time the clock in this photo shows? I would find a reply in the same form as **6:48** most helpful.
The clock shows **3:25**
